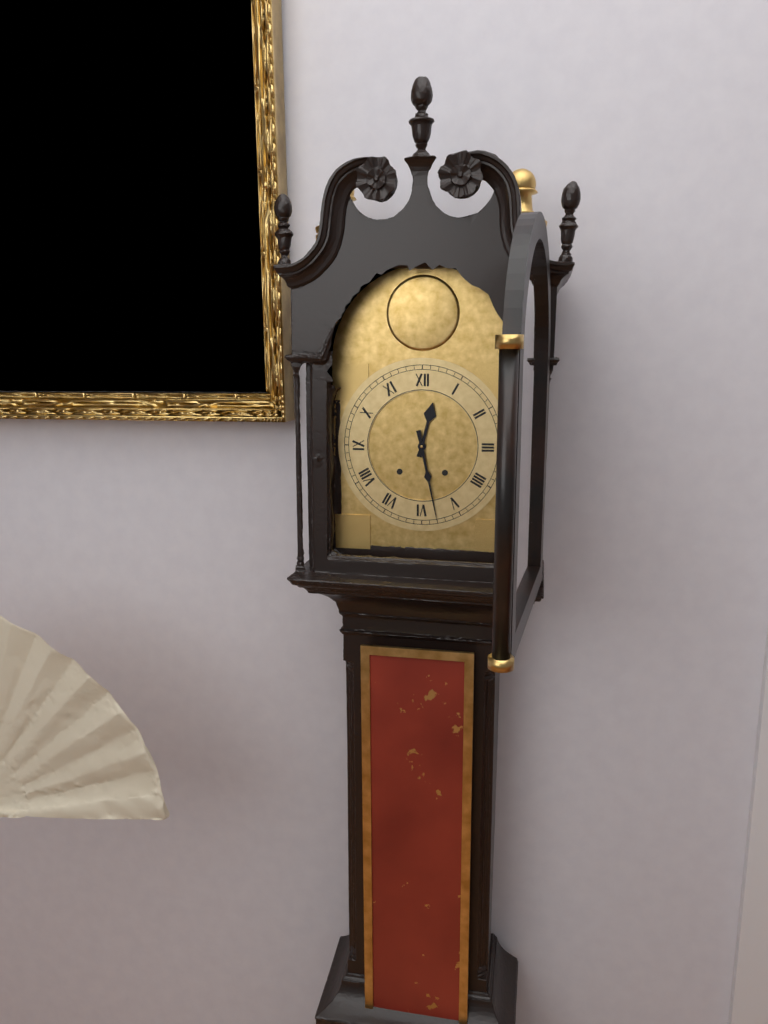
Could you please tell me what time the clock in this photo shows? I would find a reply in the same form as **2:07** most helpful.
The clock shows **12:28**
